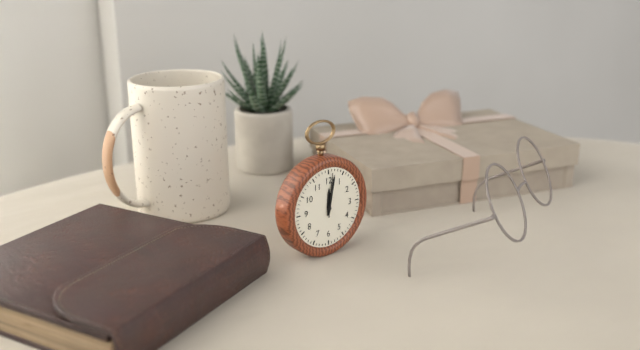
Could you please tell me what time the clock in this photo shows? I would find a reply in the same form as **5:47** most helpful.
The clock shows **12:02**
